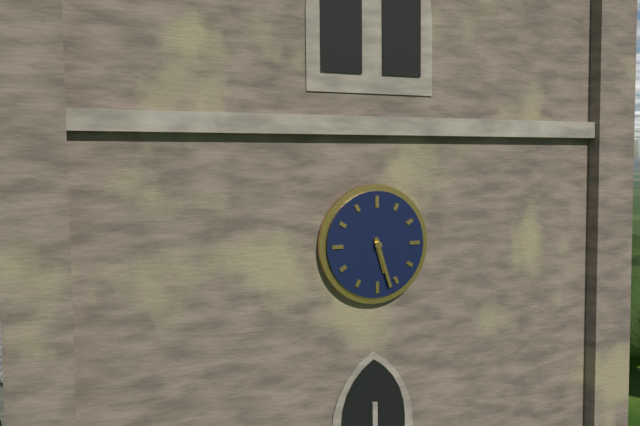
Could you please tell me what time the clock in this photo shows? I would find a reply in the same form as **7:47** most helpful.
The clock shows **5:27**
